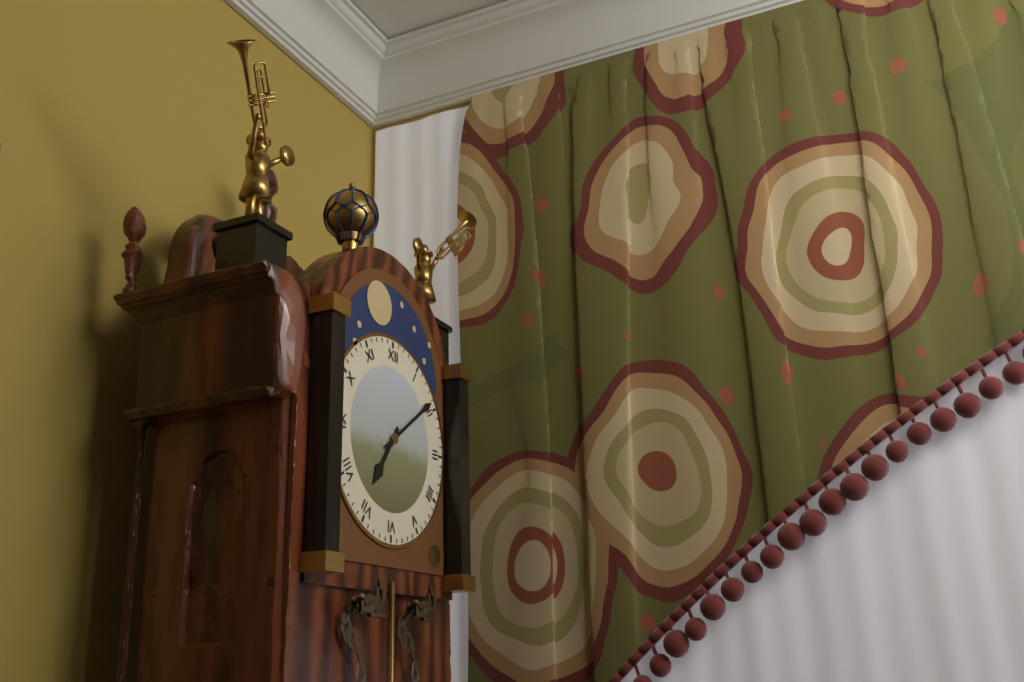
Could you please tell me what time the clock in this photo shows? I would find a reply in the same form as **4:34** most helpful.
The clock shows **7:09**
